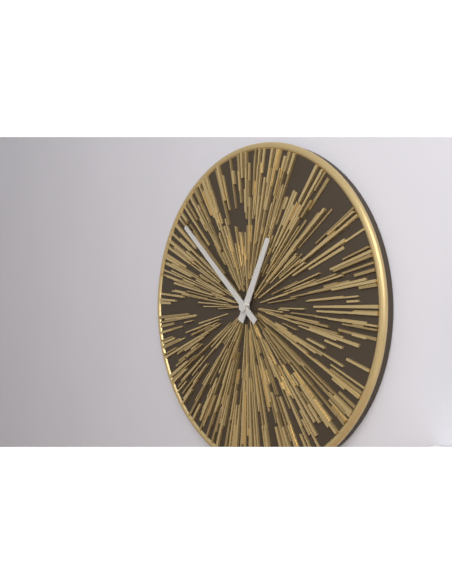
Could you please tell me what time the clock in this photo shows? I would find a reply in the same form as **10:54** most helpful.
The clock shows **12:52**
